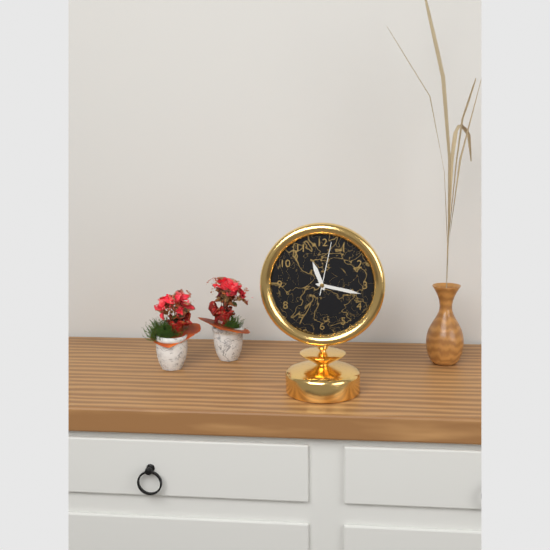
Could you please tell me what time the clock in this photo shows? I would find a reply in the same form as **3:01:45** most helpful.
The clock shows **11:17:02**
